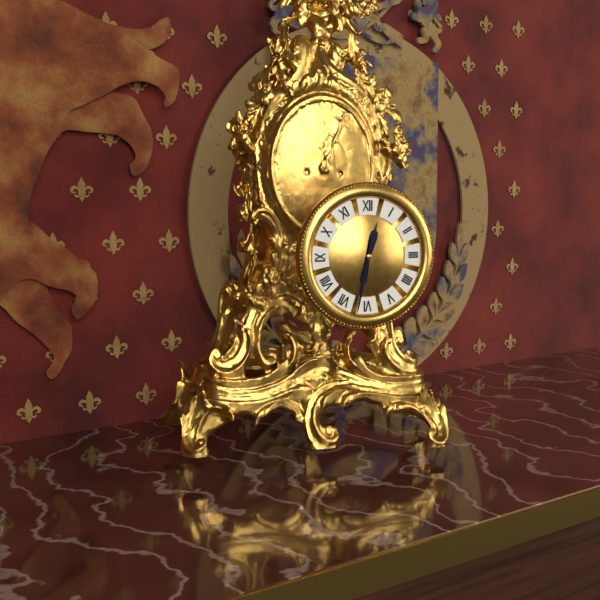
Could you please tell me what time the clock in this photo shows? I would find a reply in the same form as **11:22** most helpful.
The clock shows **12:32**
